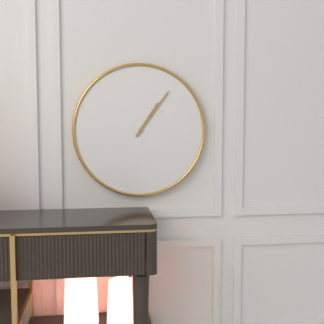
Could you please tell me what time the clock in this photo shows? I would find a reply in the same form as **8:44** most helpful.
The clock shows **1:06**
